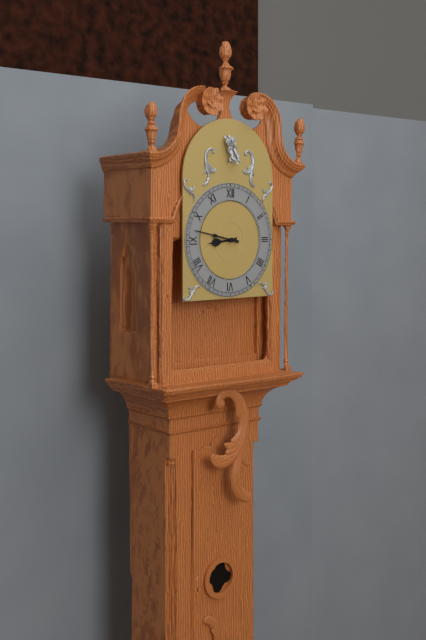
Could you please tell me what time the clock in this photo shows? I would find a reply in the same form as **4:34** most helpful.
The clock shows **8:47**
